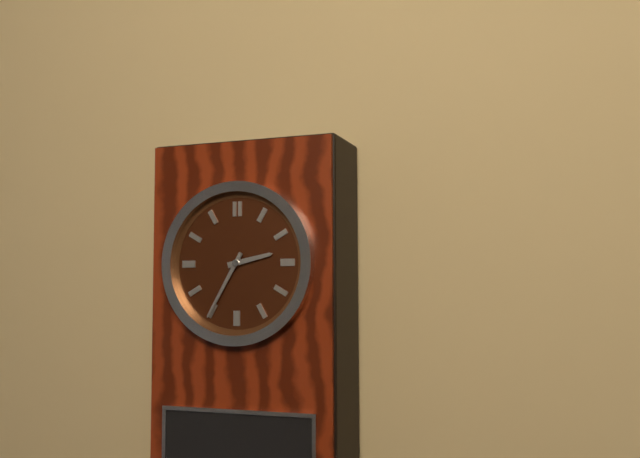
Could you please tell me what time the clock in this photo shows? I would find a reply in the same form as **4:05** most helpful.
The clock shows **2:35**
